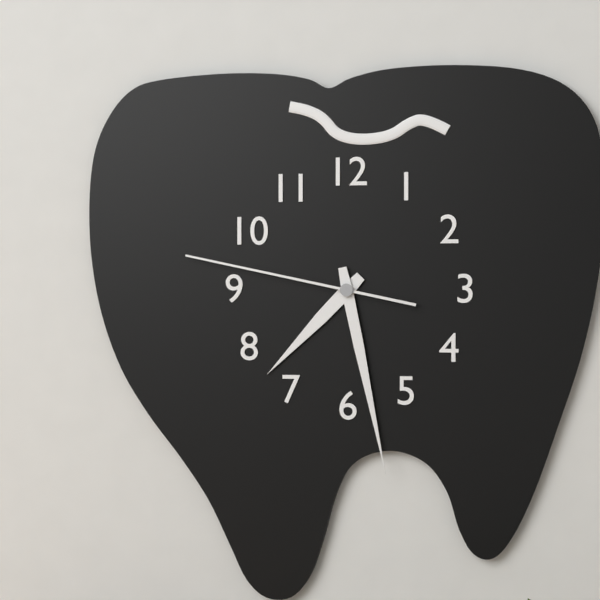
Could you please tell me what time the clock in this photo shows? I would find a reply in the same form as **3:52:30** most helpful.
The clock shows **7:28:47**
